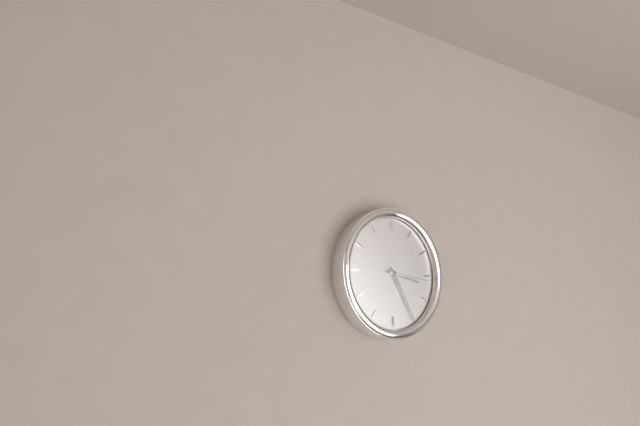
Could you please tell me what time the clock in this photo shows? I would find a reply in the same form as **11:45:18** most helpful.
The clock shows **3:25:16**
